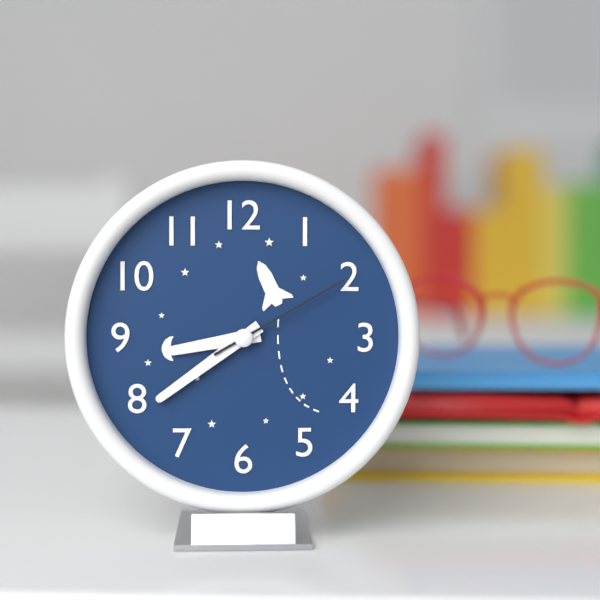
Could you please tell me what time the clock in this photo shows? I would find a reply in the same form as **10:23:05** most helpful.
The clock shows **8:39:10**
